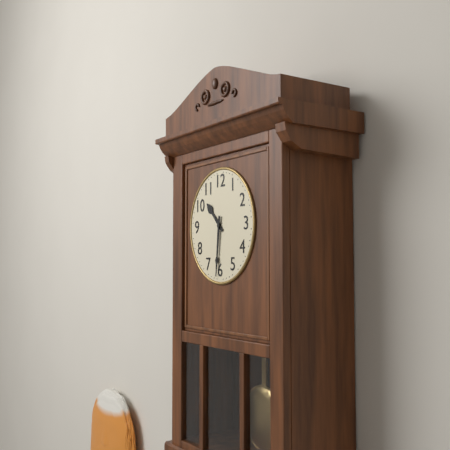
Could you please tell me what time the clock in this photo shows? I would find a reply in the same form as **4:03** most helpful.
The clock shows **10:31**
